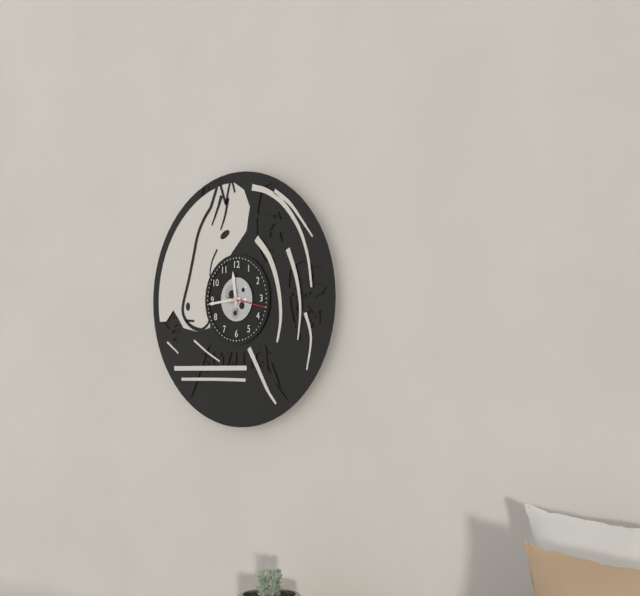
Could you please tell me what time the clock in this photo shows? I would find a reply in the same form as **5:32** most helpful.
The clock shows **11:44**
